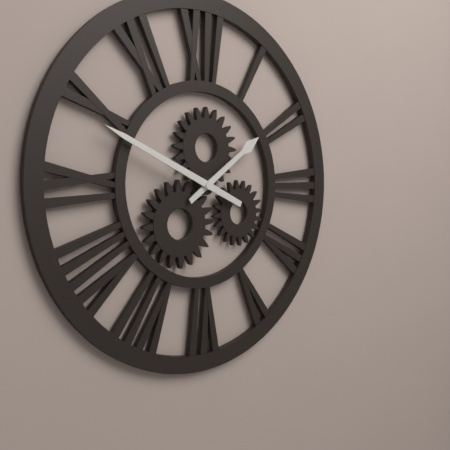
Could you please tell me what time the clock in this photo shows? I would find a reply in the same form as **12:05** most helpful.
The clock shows **1:49**
